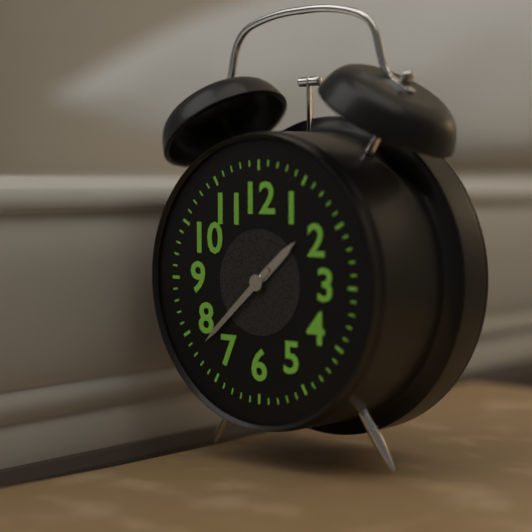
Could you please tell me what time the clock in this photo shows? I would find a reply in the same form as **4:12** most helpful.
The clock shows **1:38**
